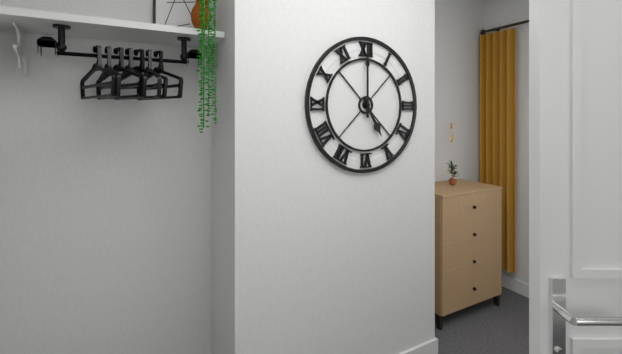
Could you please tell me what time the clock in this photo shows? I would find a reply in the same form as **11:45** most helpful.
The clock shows **5:00**
